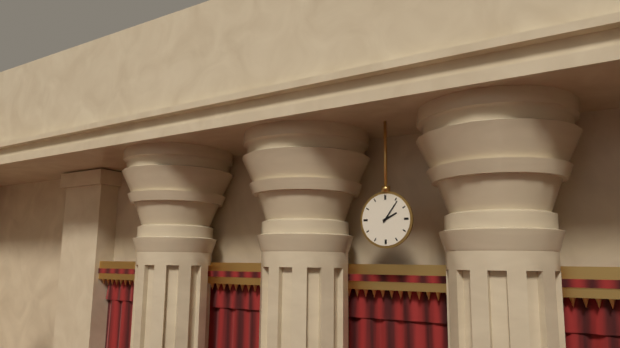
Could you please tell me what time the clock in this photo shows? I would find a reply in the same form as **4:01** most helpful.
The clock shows **2:06**
